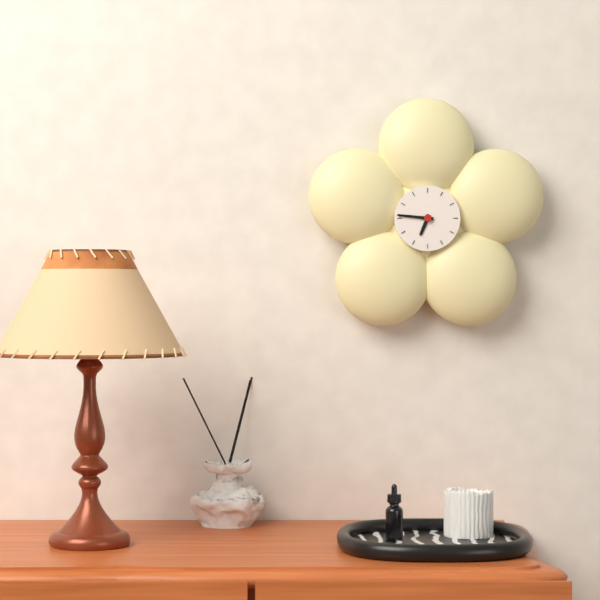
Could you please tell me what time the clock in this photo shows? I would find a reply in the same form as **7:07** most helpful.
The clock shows **6:46**
